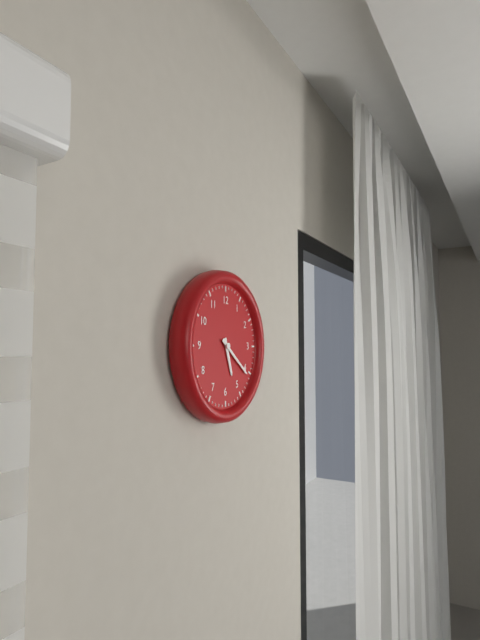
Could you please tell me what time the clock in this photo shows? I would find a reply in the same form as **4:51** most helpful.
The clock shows **5:21**
